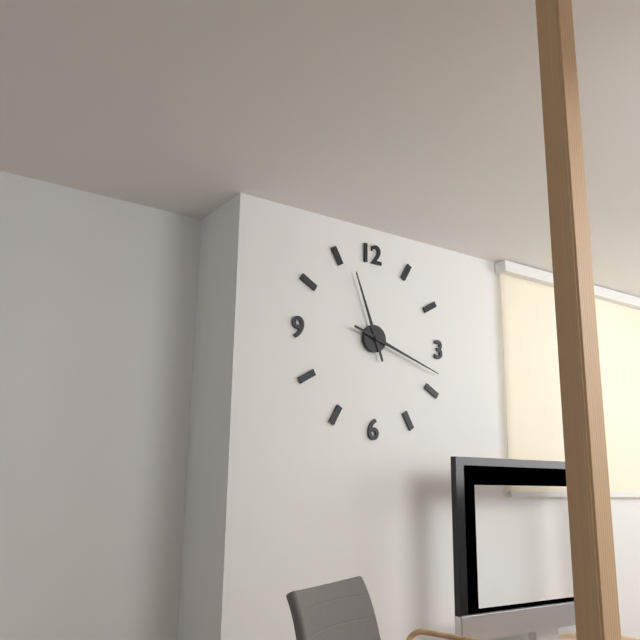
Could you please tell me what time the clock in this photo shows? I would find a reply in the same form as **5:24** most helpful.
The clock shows **11:18**
